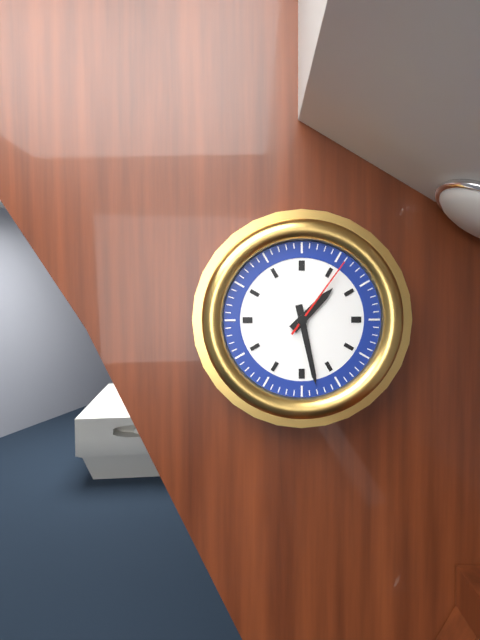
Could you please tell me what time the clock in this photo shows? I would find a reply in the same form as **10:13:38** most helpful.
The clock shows **1:28:06**
